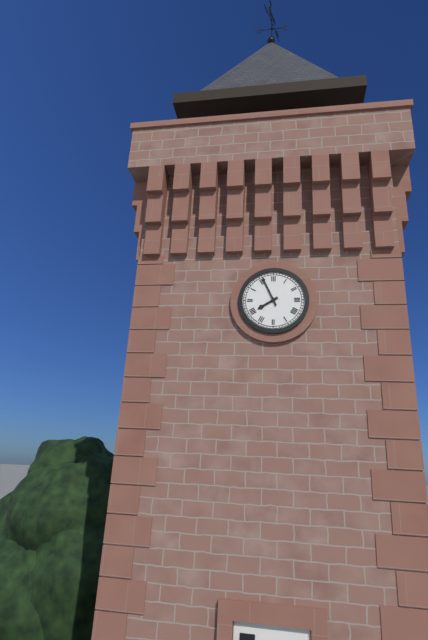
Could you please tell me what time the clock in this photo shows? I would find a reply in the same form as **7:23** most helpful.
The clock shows **7:56**
